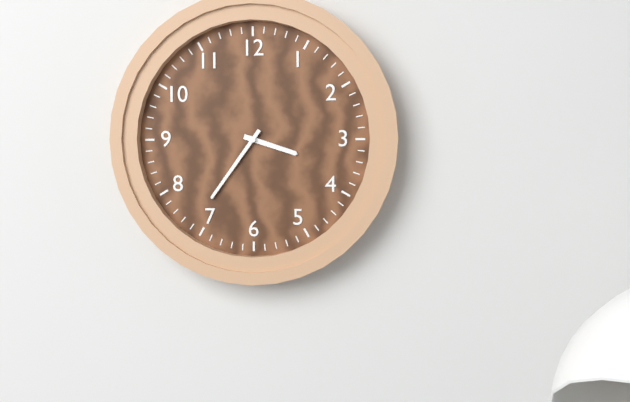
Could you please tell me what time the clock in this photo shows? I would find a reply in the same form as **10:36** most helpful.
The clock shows **3:36**
